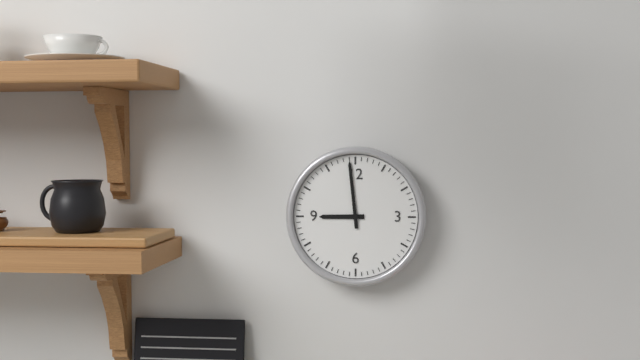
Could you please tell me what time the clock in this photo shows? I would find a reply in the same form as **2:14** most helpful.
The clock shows **8:59**
